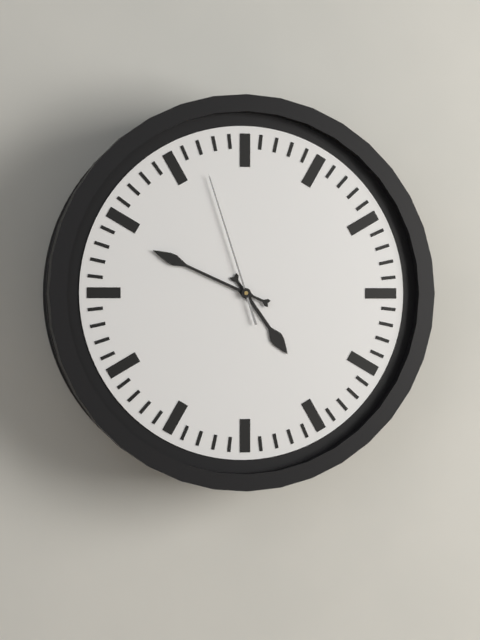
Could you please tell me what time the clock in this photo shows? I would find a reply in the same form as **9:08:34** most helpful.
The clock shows **4:49:57**
